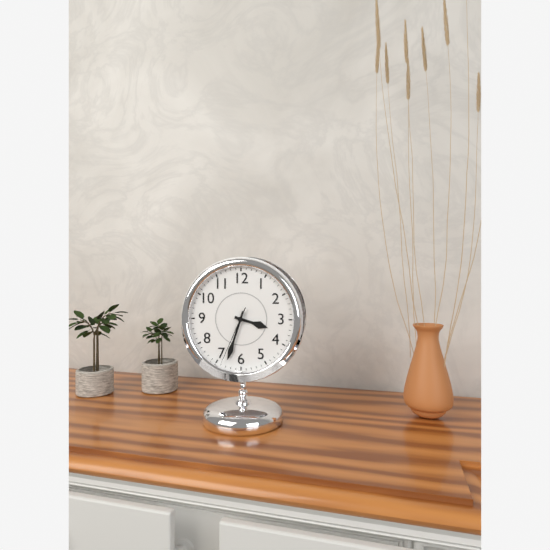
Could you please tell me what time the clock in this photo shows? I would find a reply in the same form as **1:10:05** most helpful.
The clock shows **3:33:34**
